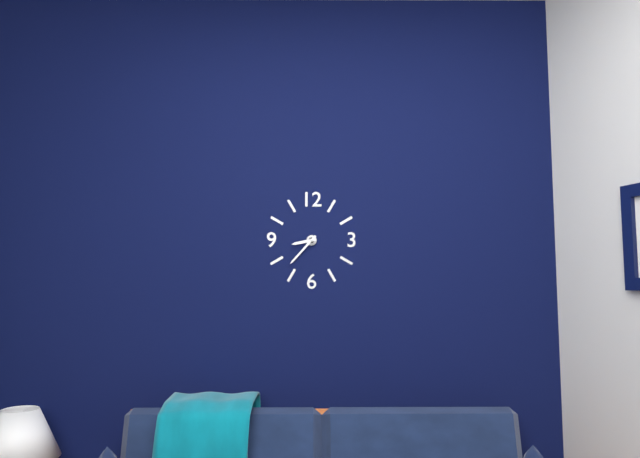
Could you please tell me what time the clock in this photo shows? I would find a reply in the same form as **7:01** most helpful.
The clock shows **8:37**
